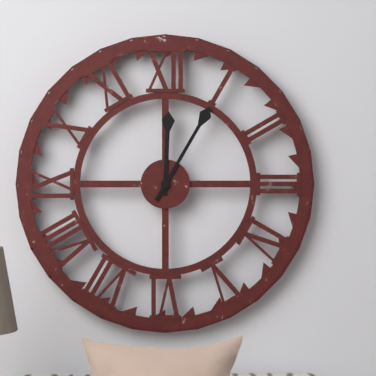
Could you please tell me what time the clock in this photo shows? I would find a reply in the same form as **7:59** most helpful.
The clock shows **12:05**
